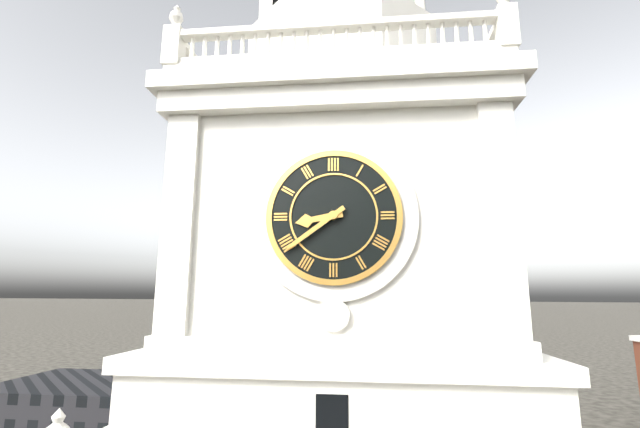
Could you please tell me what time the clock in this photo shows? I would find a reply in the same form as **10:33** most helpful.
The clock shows **8:39**
